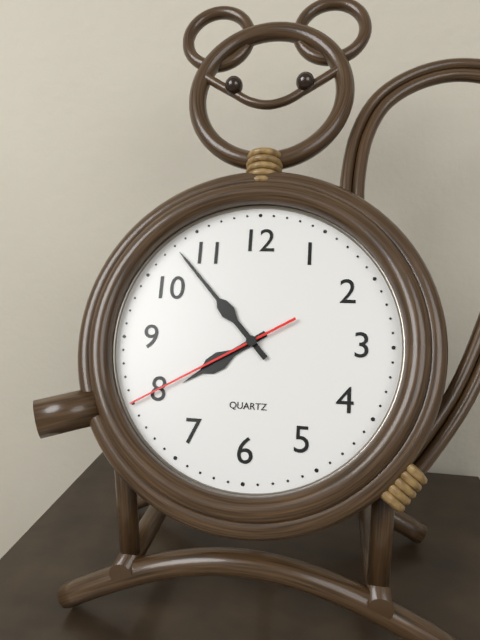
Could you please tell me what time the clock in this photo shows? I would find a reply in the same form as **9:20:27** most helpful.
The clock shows **7:53:40**
